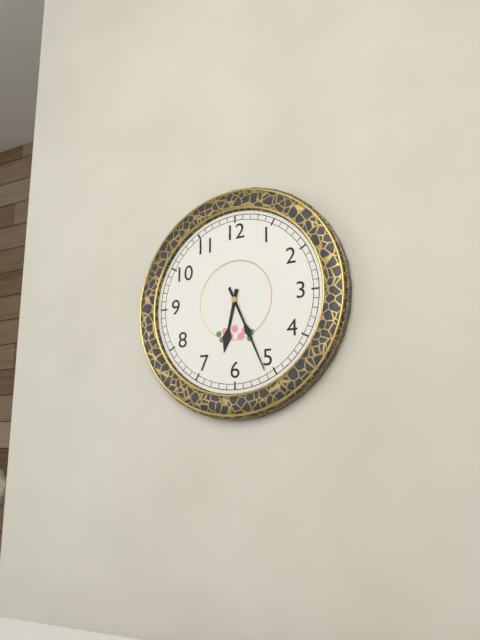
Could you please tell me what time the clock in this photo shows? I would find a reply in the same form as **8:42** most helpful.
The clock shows **6:26**
